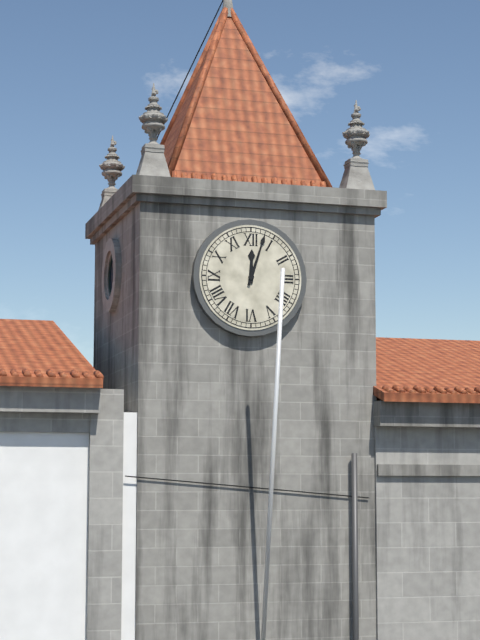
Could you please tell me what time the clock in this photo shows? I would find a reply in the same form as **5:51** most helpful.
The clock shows **12:03**
